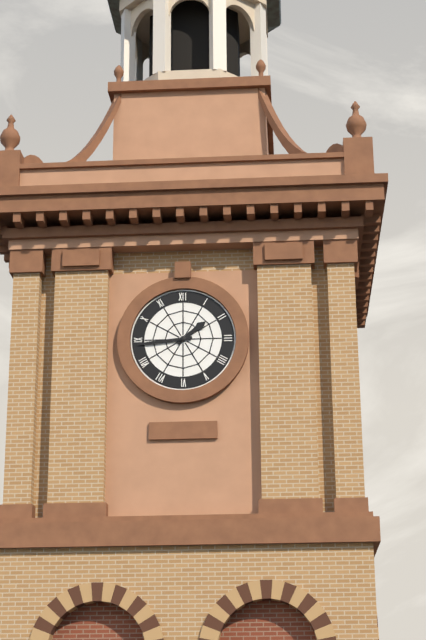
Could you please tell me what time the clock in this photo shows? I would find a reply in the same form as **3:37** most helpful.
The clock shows **1:44**
